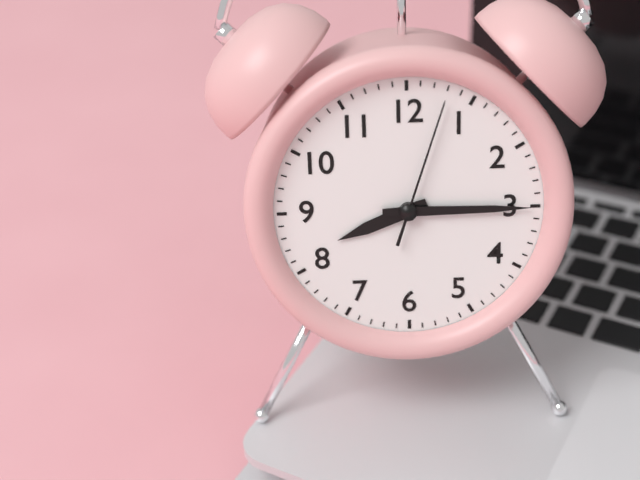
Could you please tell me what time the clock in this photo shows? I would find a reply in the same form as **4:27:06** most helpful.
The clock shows **8:15:03**
